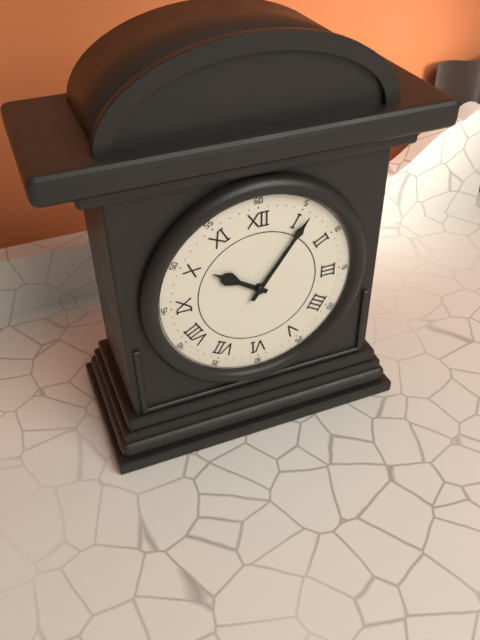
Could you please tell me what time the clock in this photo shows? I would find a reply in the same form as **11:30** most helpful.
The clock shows **10:06**
